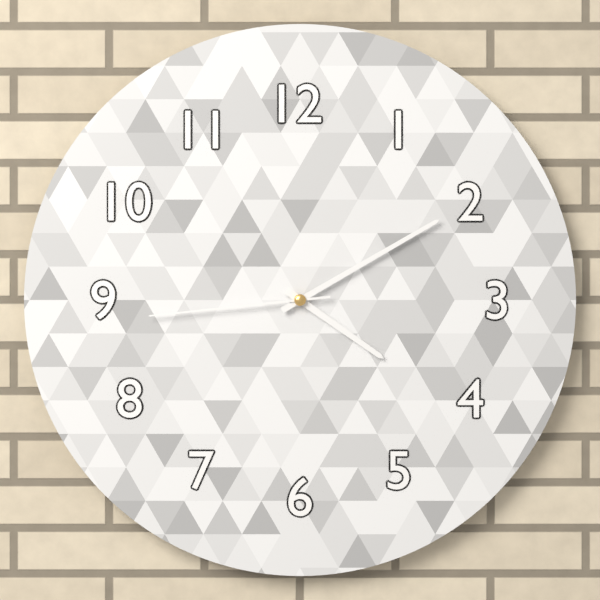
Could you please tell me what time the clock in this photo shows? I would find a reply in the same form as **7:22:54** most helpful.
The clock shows **4:10:44**
